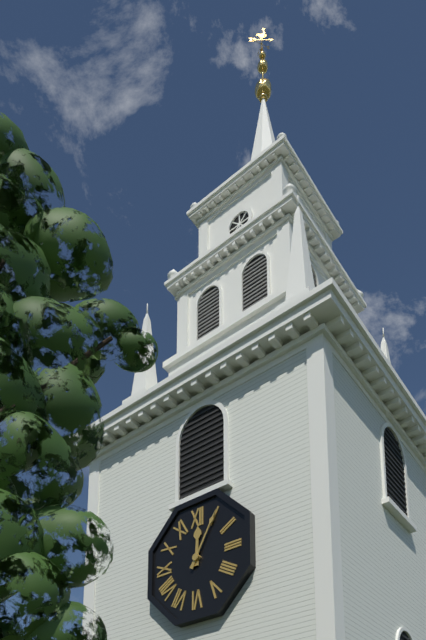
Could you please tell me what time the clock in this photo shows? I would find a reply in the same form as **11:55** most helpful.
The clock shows **12:05**
